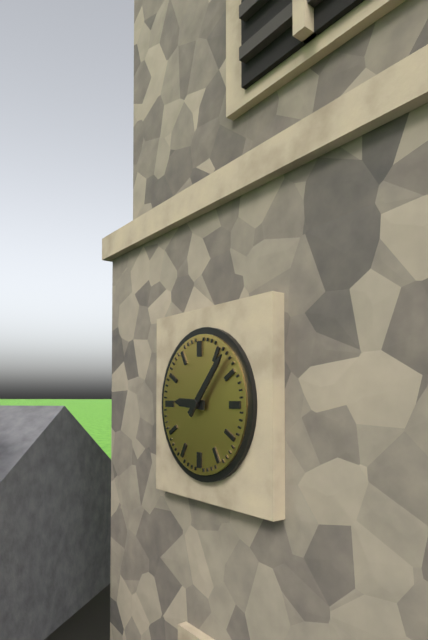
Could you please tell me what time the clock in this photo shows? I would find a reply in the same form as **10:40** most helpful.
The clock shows **9:07**
